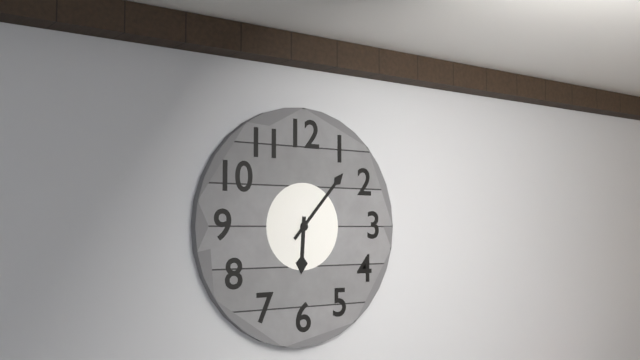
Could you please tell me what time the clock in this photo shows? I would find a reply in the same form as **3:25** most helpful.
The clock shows **6:07**
